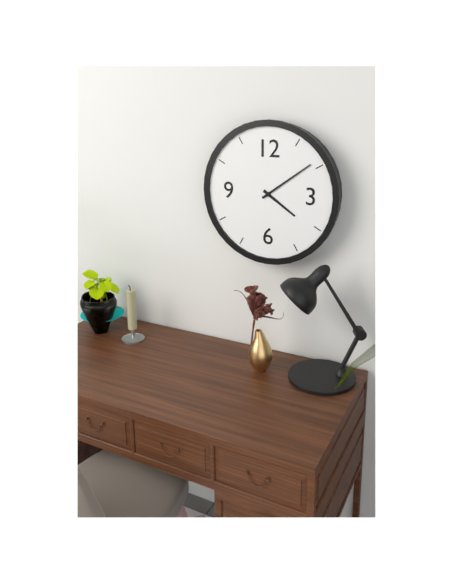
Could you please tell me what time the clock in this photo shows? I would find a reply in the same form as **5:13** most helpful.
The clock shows **4:09**
